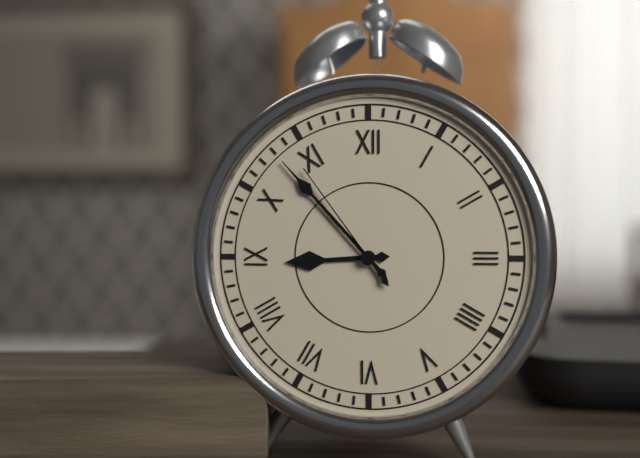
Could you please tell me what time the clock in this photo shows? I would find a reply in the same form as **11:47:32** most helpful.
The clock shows **8:53:54**
